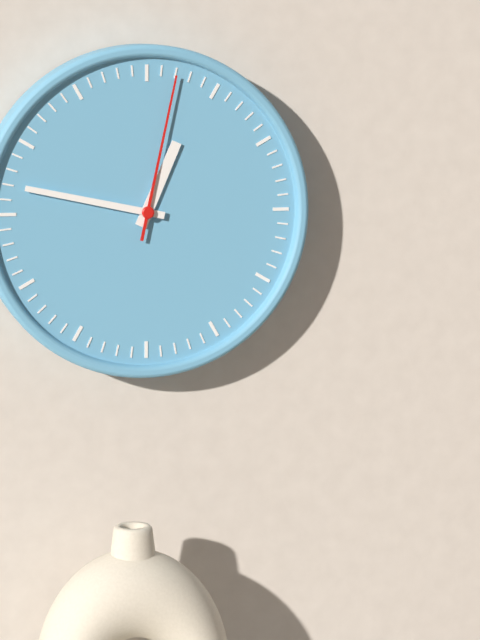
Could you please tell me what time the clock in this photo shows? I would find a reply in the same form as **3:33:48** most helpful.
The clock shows **12:47:02**
